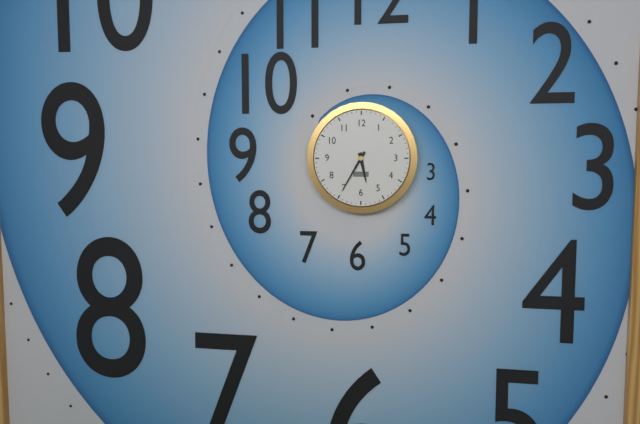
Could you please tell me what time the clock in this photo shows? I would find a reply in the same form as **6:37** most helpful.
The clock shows **5:35**
